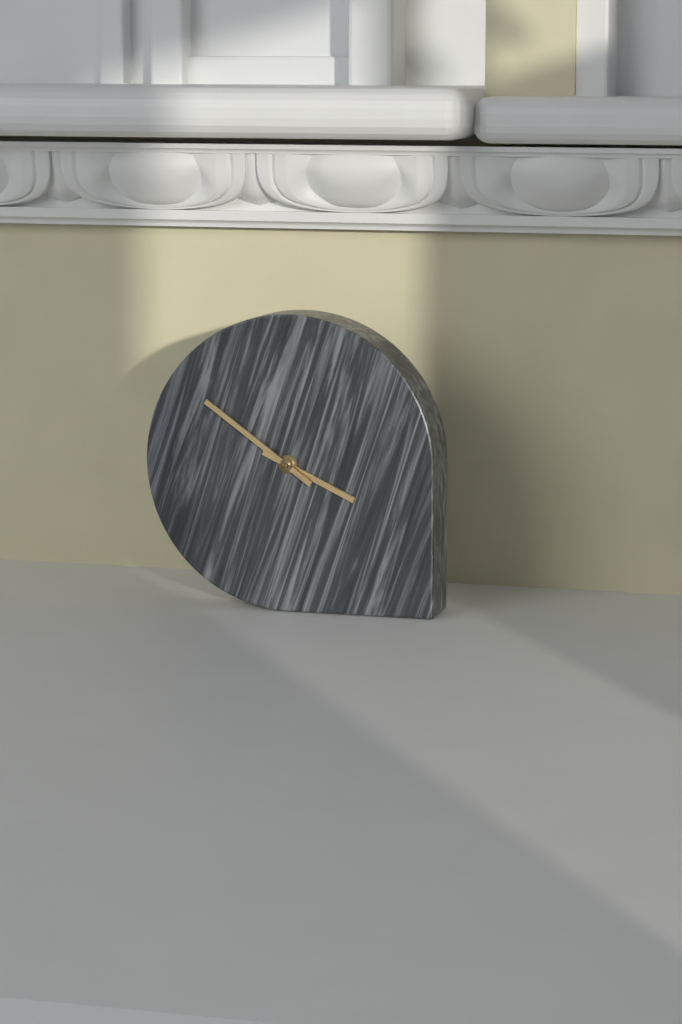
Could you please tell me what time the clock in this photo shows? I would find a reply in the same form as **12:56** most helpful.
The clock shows **3:51**
